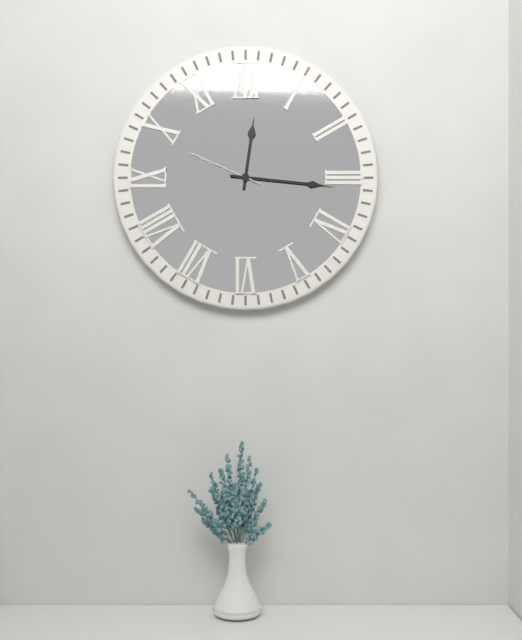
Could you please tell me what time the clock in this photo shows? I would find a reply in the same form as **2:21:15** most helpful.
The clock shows **12:16:49**
